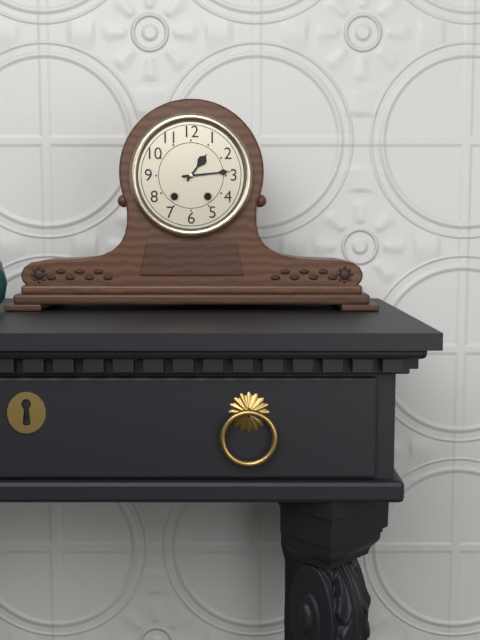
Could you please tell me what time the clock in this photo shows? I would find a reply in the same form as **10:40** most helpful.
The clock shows **1:14**
